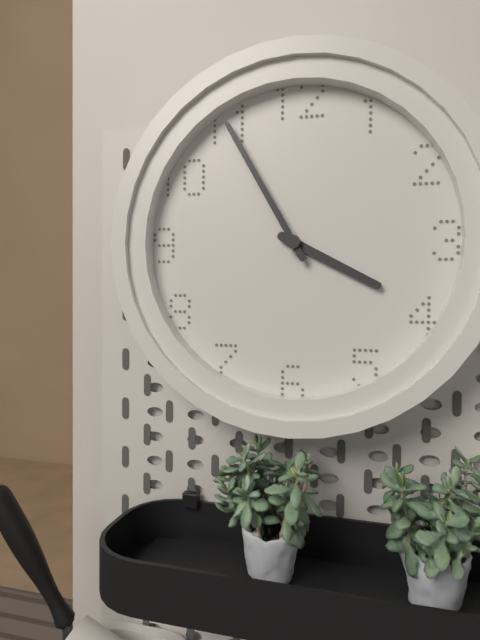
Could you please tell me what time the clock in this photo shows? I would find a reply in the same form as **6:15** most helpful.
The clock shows **3:55**
